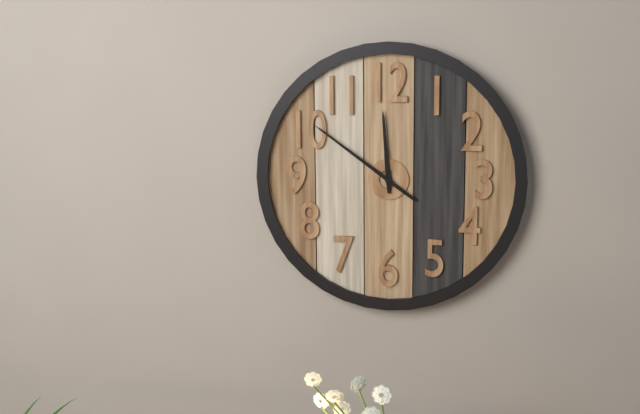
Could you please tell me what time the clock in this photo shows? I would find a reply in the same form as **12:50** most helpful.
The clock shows **11:51**
